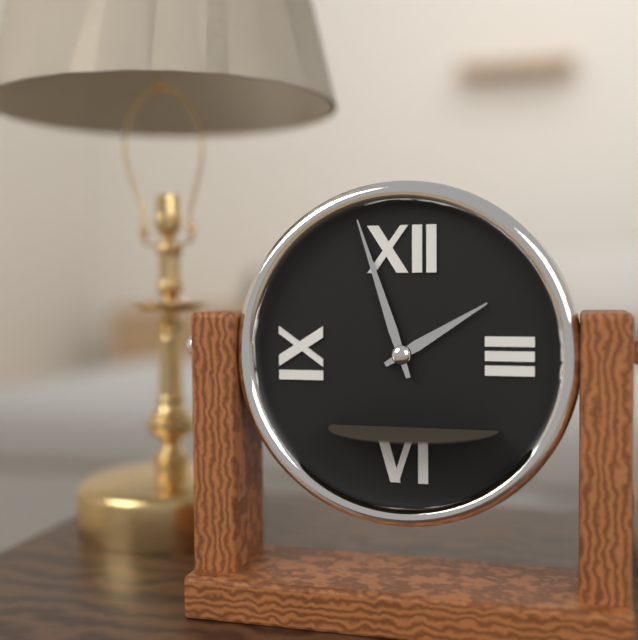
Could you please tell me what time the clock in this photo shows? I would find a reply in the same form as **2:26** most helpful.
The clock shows **1:57**
